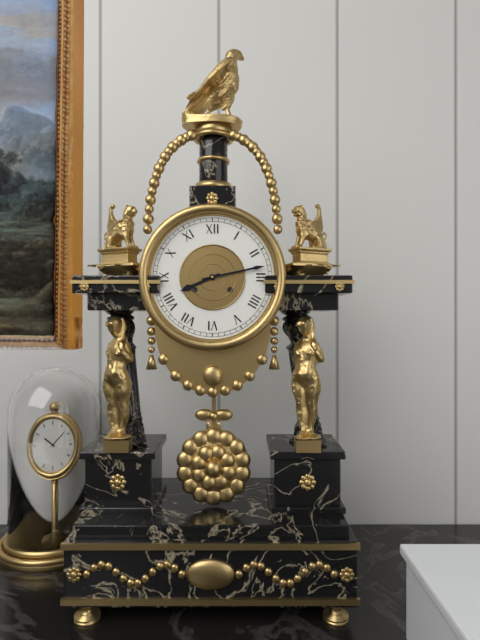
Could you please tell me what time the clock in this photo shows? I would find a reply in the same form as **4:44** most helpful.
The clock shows **8:13**
